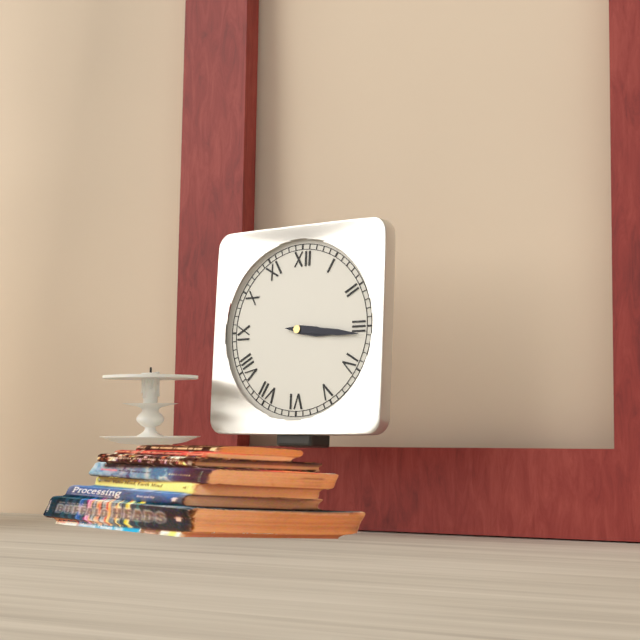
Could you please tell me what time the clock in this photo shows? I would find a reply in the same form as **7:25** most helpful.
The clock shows **3:16**
